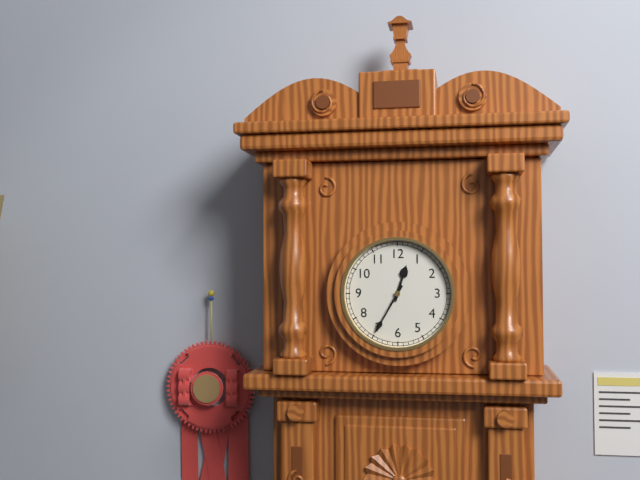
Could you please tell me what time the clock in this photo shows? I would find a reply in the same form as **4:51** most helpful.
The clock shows **12:35**
